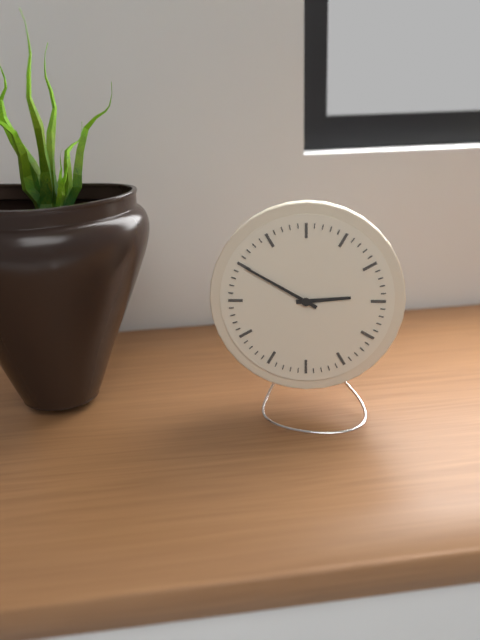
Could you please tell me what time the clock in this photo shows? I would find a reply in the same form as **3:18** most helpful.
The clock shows **2:50**
